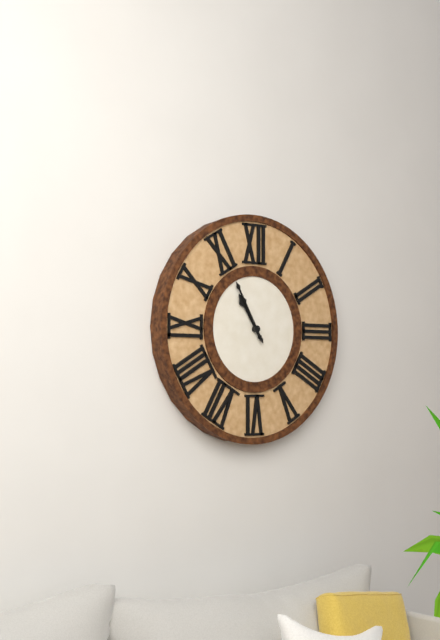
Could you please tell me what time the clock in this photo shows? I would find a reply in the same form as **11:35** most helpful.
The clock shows **10:55**
